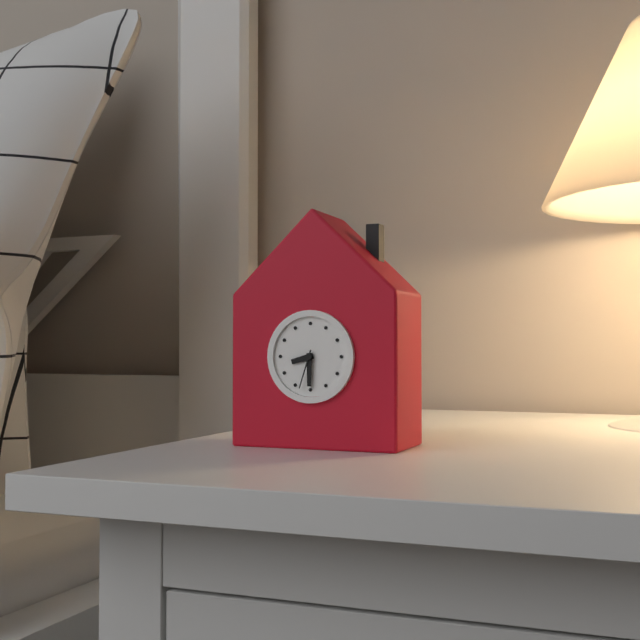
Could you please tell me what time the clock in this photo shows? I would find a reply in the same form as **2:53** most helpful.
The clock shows **8:30**
